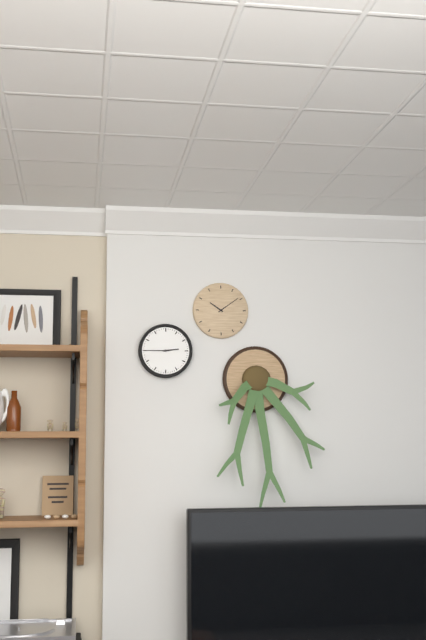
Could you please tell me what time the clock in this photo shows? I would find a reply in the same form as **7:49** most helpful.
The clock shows **2:45**
